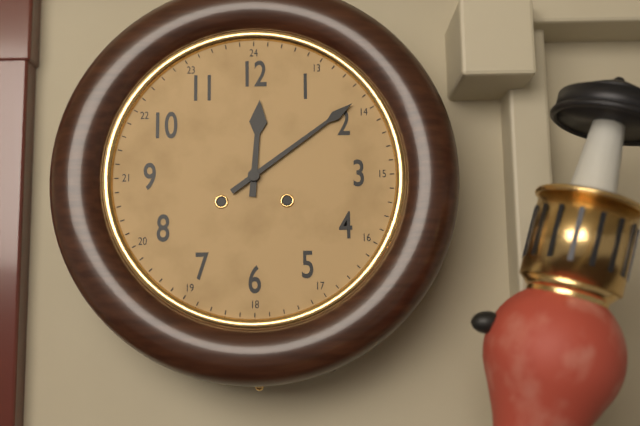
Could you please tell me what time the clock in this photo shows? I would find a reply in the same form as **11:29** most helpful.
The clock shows **12:09**
